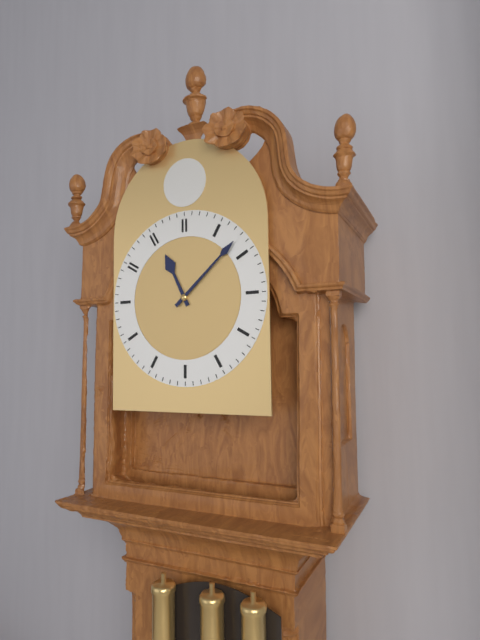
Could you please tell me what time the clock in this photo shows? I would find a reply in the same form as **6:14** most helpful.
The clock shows **11:08**
